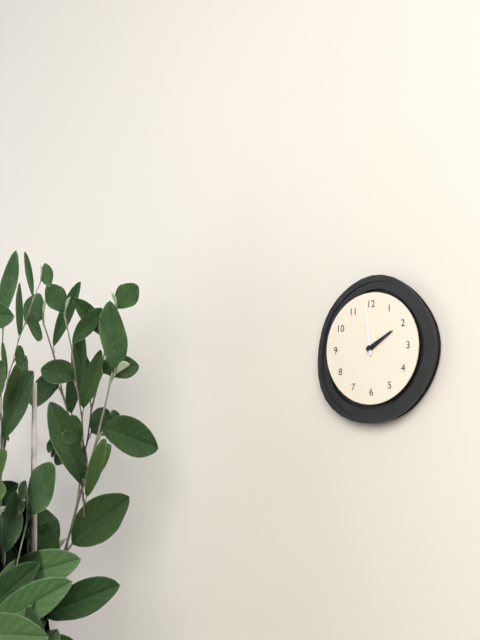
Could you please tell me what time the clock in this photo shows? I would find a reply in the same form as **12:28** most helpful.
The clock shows **1:59**
